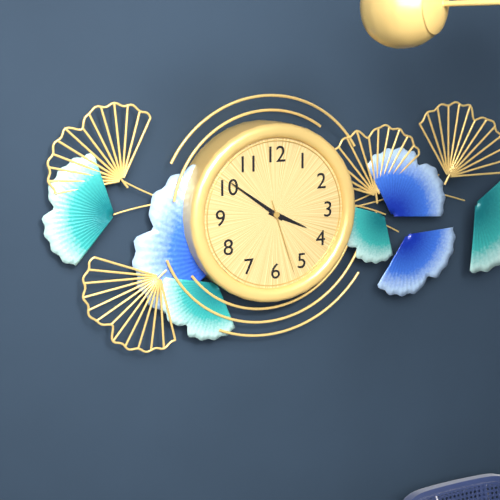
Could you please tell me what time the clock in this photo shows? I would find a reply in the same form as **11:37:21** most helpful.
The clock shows **3:51:27**
